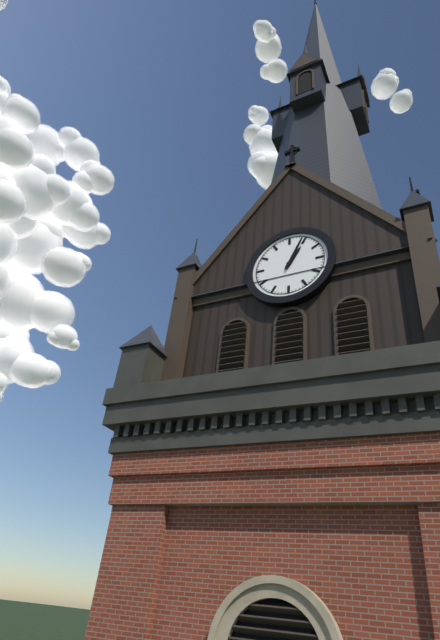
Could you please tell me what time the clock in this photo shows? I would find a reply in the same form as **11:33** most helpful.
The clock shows **1:04**
